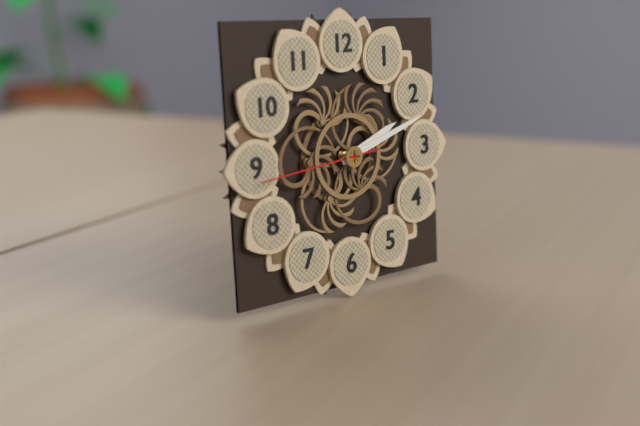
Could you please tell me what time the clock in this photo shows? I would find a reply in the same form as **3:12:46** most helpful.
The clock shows **2:12:44**
